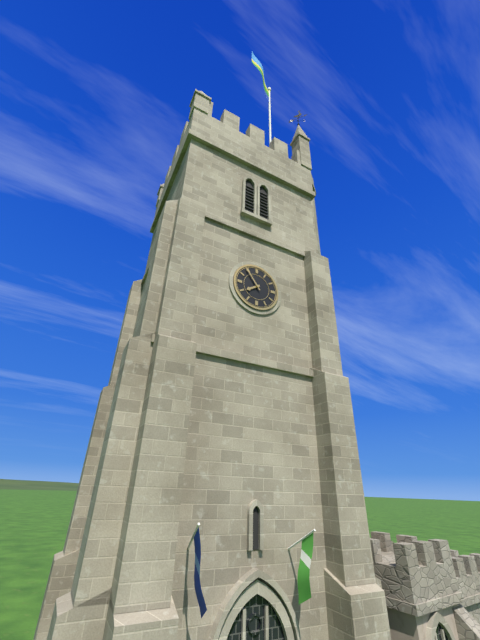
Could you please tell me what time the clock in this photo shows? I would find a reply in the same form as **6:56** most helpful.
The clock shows **7:54**
